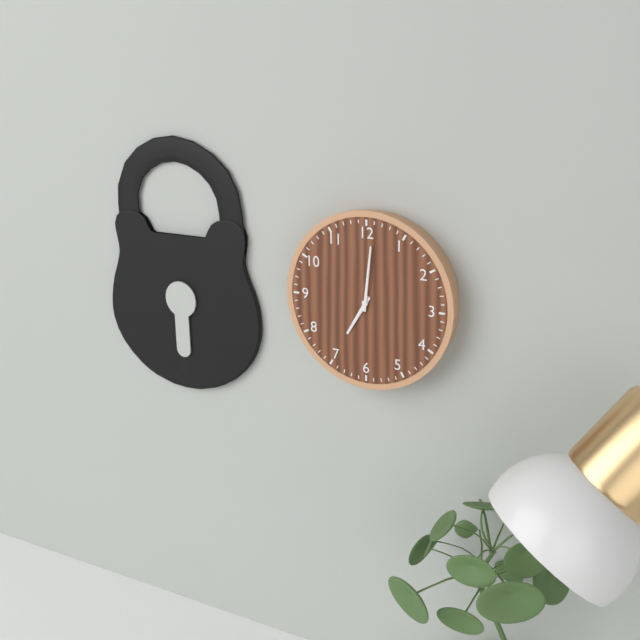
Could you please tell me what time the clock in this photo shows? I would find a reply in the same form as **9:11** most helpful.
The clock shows **7:01**
